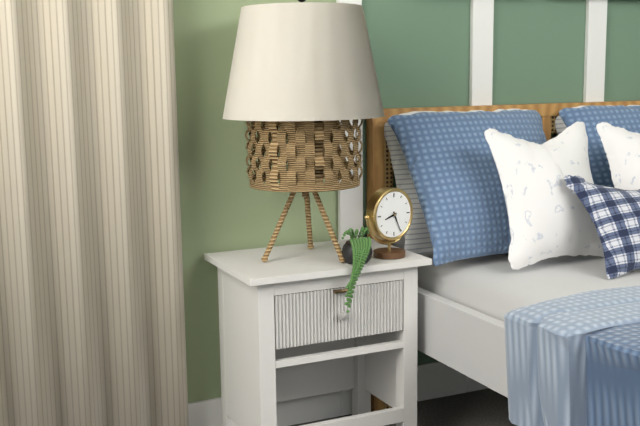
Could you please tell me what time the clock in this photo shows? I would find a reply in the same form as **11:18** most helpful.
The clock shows **8:26**
